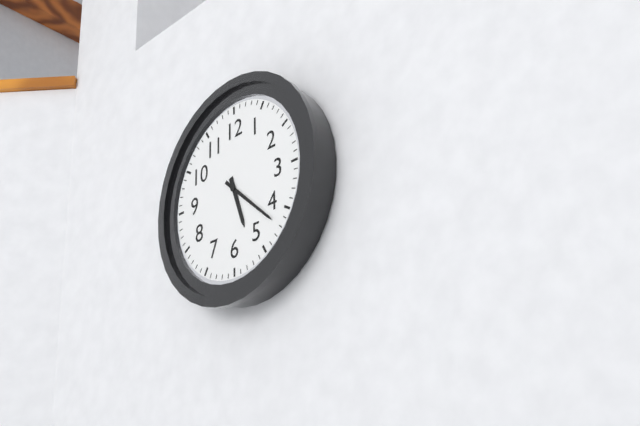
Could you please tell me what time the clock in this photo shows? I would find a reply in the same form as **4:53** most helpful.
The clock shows **5:22**
